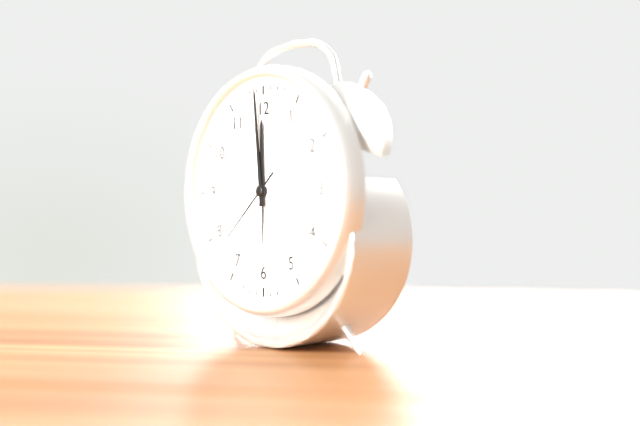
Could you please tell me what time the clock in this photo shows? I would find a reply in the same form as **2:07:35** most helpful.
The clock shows **11:59:38**
